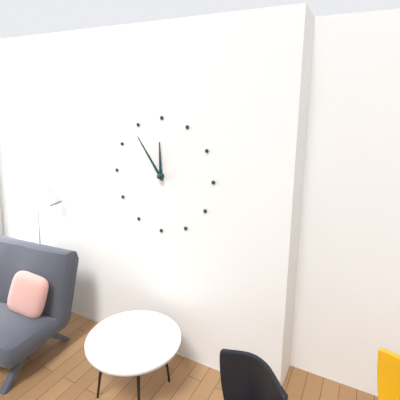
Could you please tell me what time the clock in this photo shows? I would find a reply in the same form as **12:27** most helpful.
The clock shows **11:54**
